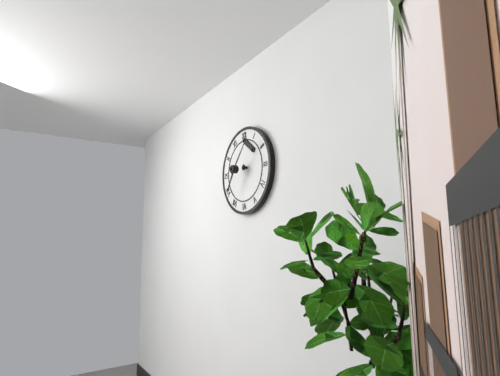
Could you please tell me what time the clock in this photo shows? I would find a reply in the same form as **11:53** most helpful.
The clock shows **7:07**
